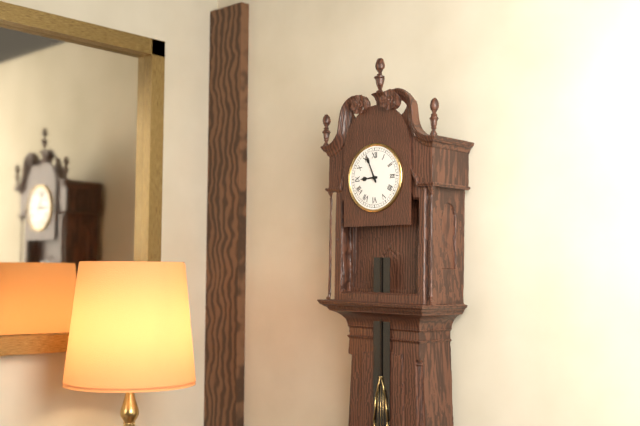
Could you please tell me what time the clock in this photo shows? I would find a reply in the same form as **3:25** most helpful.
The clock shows **8:56**
